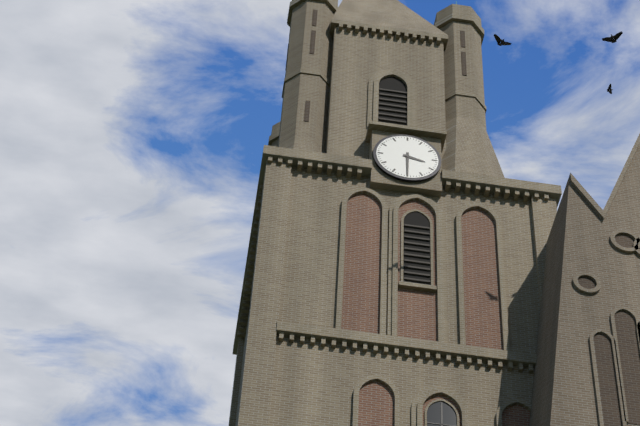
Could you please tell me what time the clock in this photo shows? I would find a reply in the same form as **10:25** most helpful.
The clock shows **3:30**
